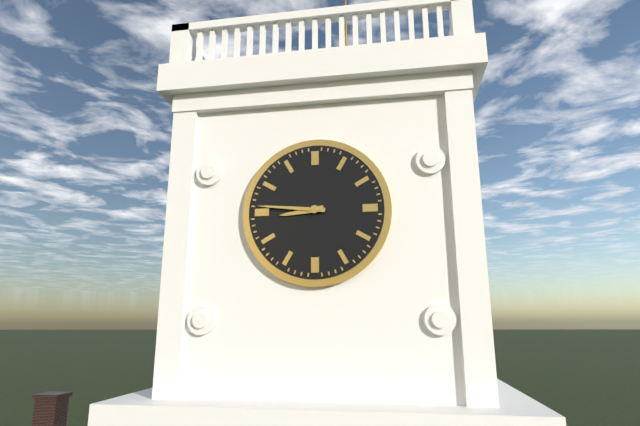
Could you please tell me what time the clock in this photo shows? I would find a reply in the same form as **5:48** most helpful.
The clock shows **8:46**
